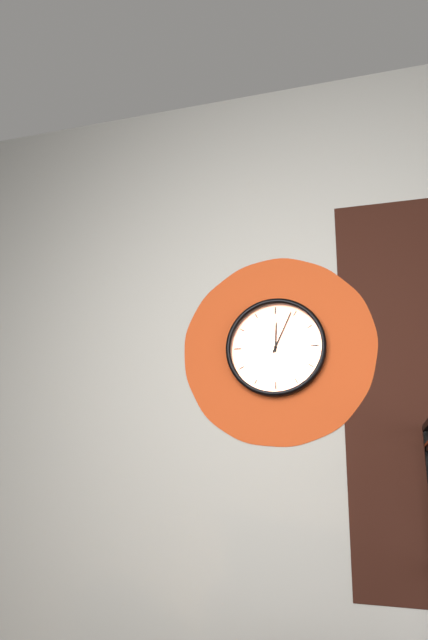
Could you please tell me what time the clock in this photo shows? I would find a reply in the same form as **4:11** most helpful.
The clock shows **12:04**
